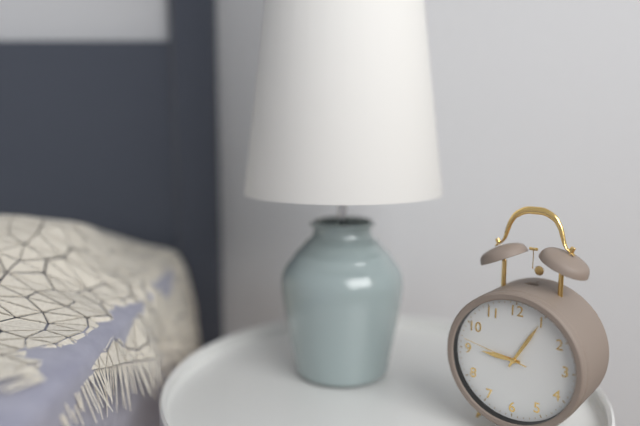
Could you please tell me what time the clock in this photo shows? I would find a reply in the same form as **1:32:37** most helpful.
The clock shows **9:05:47**
